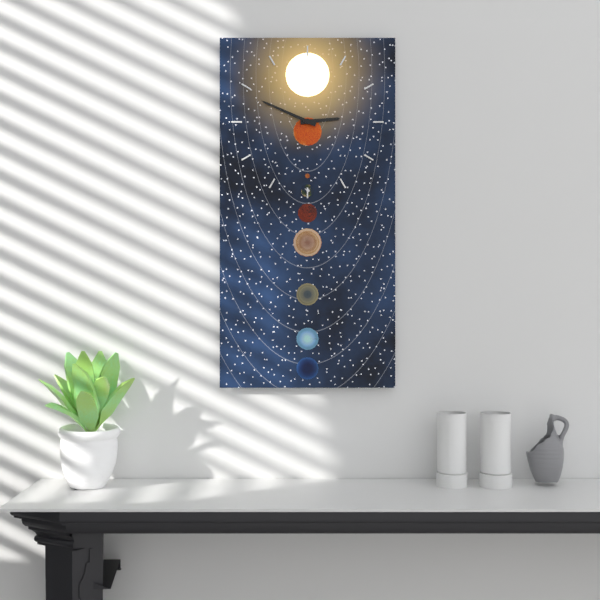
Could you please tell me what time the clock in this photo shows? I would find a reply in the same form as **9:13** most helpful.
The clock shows **2:49**
